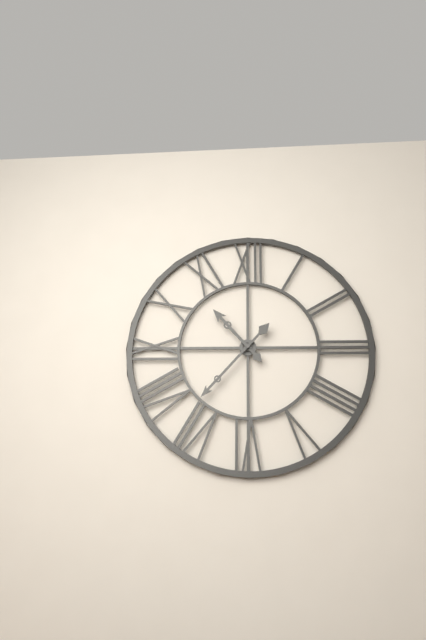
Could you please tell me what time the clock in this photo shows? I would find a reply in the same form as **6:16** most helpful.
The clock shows **10:37**
